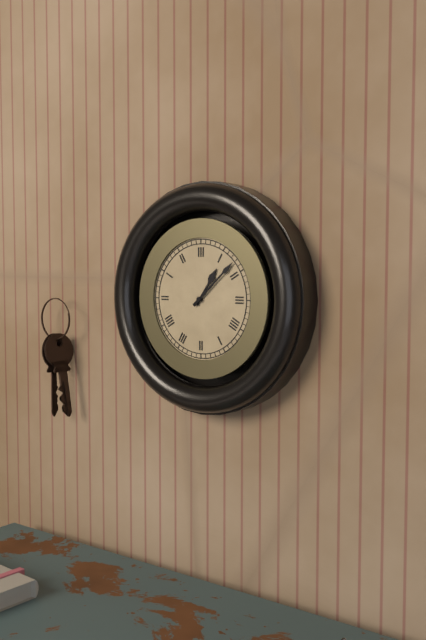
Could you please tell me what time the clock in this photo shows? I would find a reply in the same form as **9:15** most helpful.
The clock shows **1:08**
